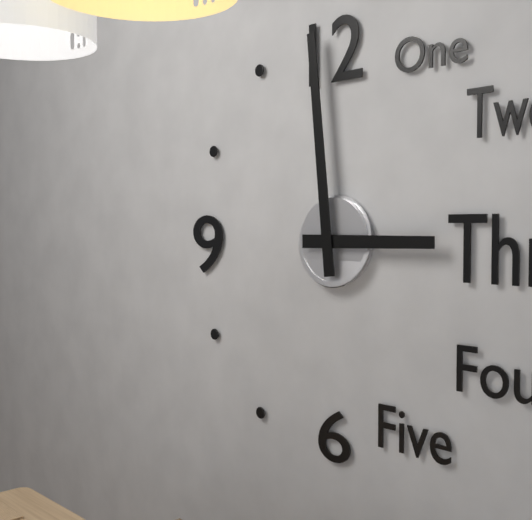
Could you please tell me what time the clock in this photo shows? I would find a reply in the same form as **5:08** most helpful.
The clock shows **2:59**
